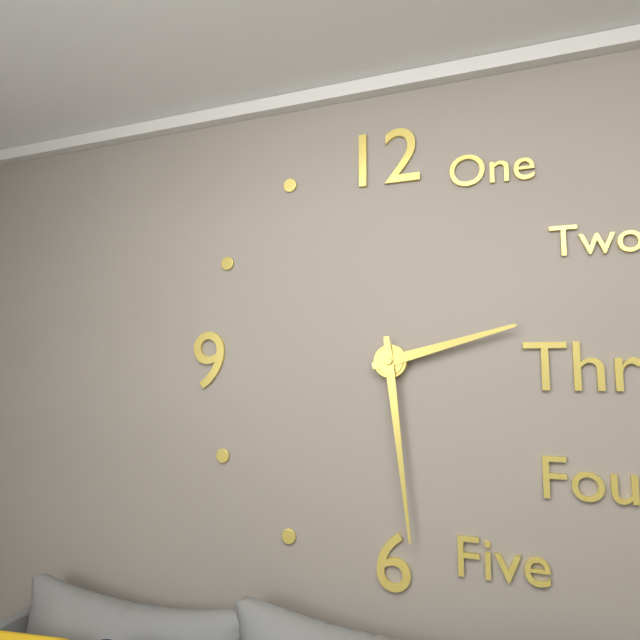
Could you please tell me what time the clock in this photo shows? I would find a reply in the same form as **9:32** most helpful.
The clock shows **2:29**
